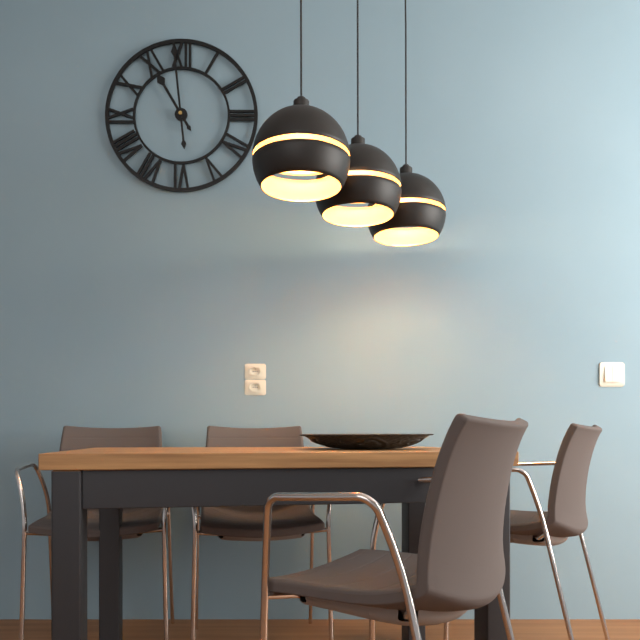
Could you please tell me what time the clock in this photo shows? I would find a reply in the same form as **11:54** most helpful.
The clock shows **10:59**
